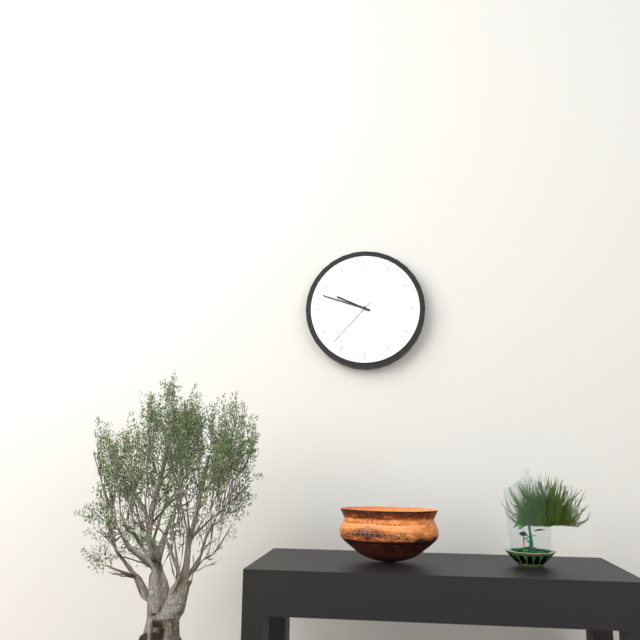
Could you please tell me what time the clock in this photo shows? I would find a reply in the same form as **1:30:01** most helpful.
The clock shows **9:48:37**
